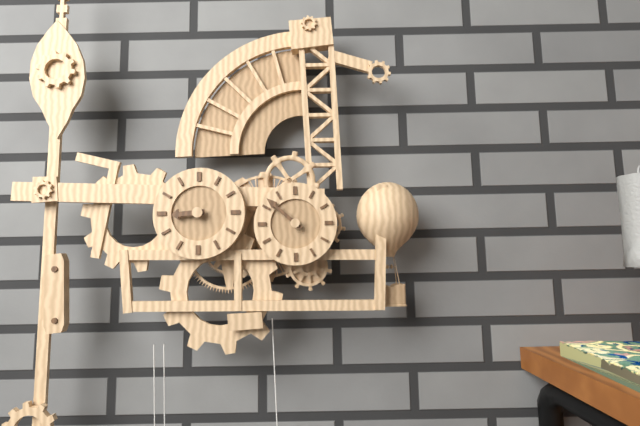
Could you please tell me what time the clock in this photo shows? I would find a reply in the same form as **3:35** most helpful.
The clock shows **8:52**
